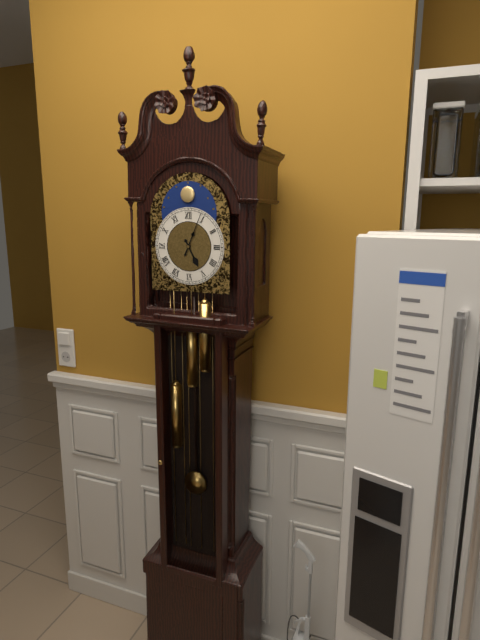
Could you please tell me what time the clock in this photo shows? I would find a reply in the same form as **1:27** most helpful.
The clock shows **5:04**
